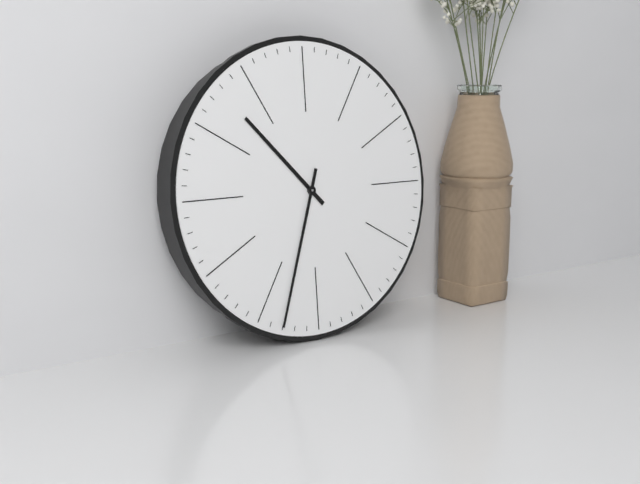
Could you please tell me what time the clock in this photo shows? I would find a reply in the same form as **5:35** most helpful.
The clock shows **10:33**
